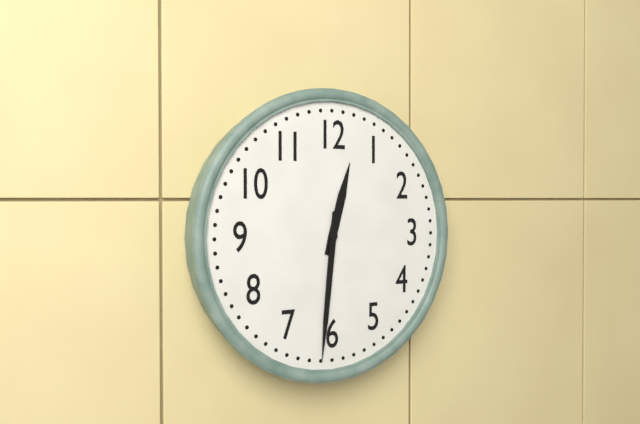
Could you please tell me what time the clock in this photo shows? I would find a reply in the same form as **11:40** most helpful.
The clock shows **12:31**
